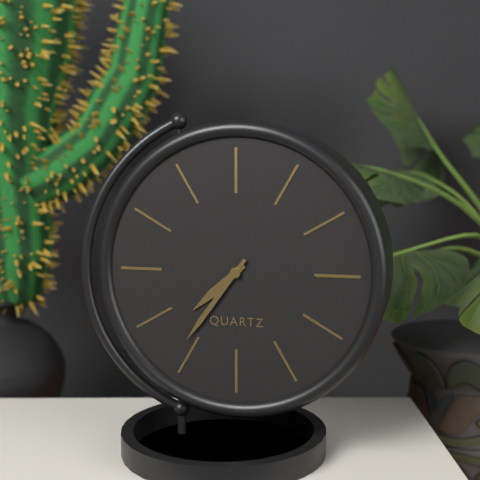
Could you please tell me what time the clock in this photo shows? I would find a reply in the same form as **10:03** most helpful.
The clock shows **7:36**
